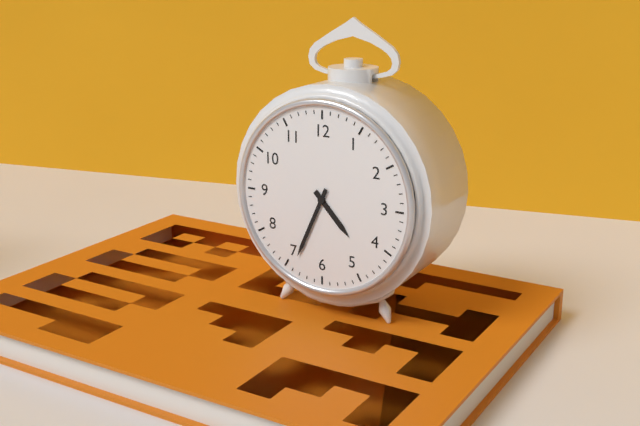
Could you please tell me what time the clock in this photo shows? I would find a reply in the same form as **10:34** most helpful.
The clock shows **4:34**
